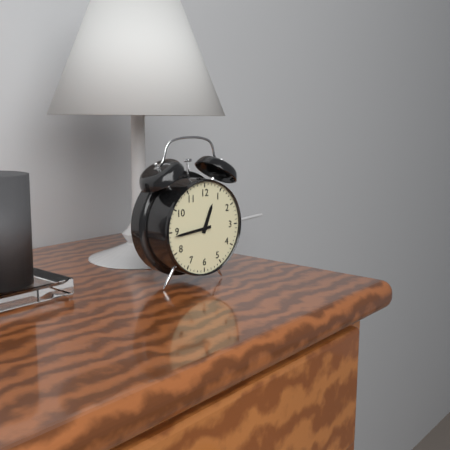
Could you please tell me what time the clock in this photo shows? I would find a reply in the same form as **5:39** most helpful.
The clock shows **12:44**
